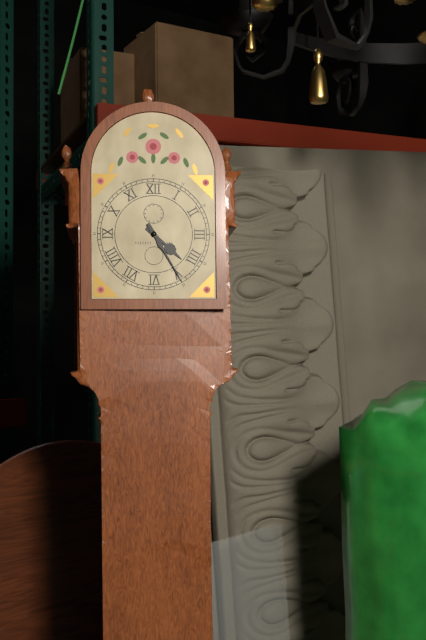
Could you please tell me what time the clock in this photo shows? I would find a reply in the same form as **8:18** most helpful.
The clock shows **4:25**
